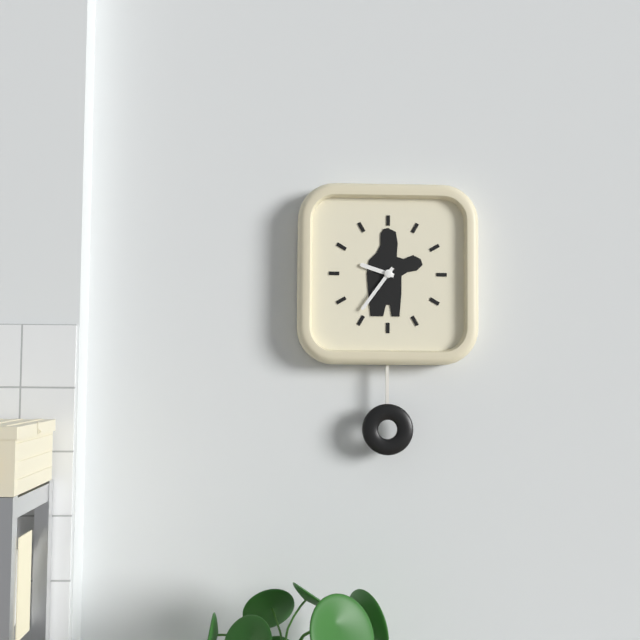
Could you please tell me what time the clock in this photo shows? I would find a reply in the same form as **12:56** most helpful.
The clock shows **9:36**
